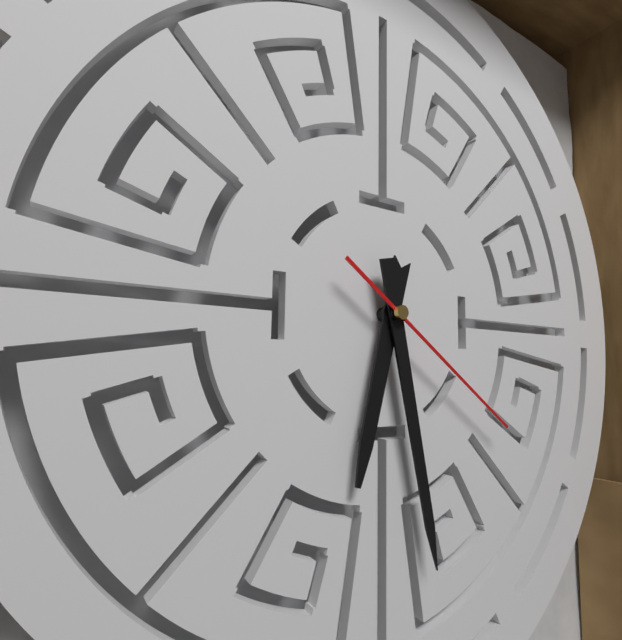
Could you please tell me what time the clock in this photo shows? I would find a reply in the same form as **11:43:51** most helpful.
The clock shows **6:28:21**
